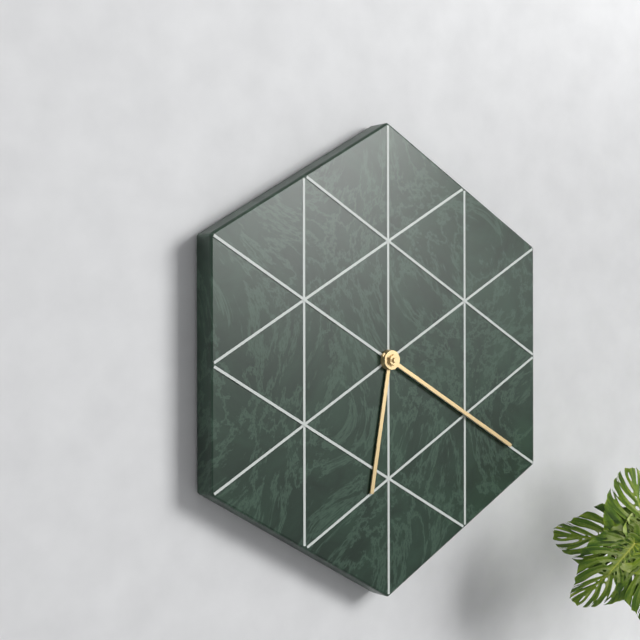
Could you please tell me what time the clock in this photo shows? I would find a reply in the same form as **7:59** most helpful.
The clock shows **6:20**
